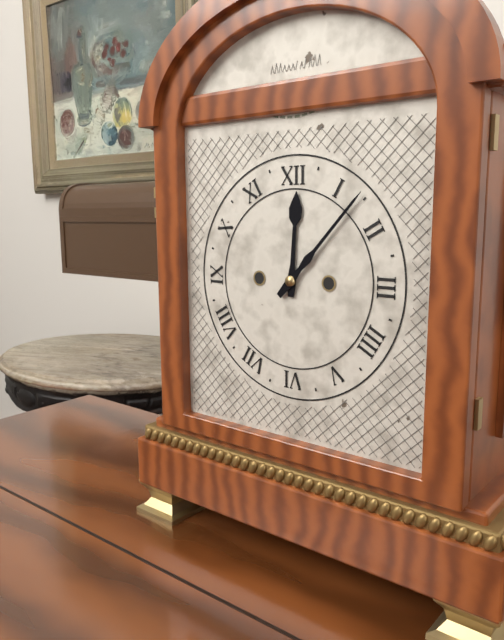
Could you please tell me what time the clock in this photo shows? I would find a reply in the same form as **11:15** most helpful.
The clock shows **12:07**
